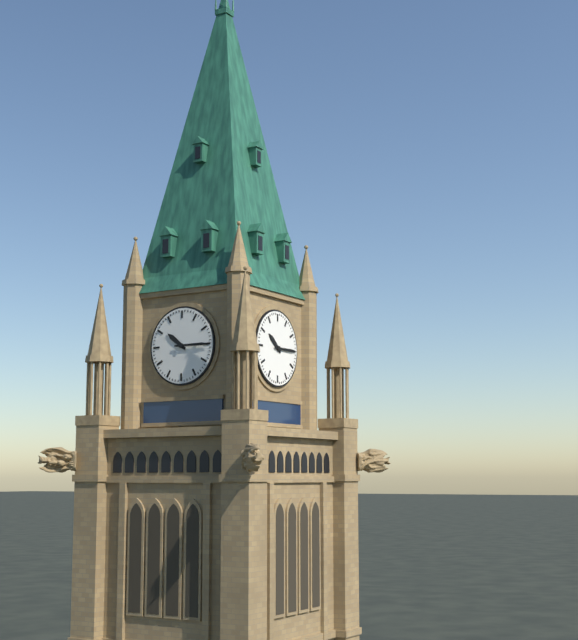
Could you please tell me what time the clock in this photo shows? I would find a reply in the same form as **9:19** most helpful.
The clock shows **10:15**
